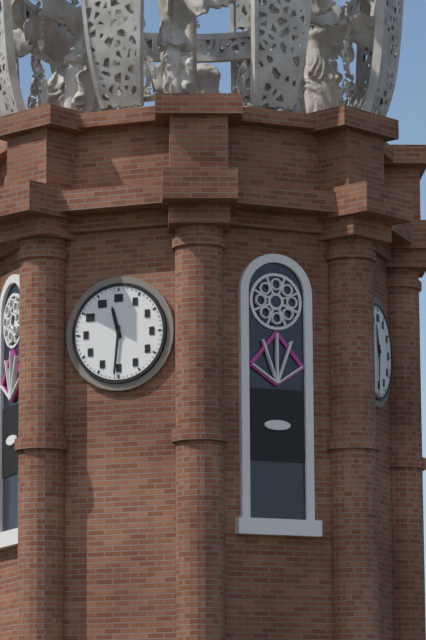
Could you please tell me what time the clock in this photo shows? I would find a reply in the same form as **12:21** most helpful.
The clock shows **11:31**
